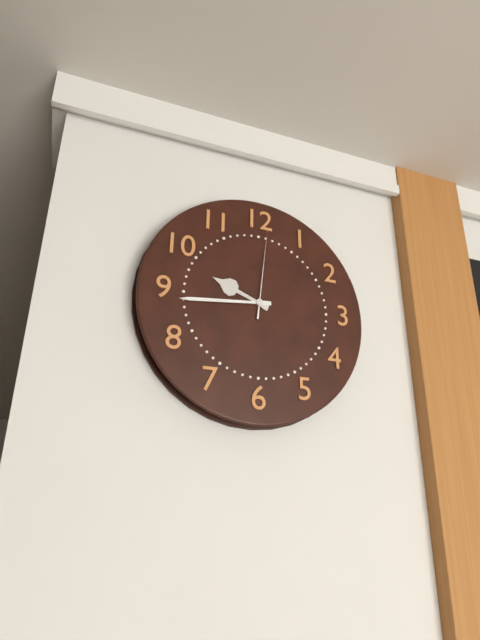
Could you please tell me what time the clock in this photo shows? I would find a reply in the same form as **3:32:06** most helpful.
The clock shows **9:44:01**
